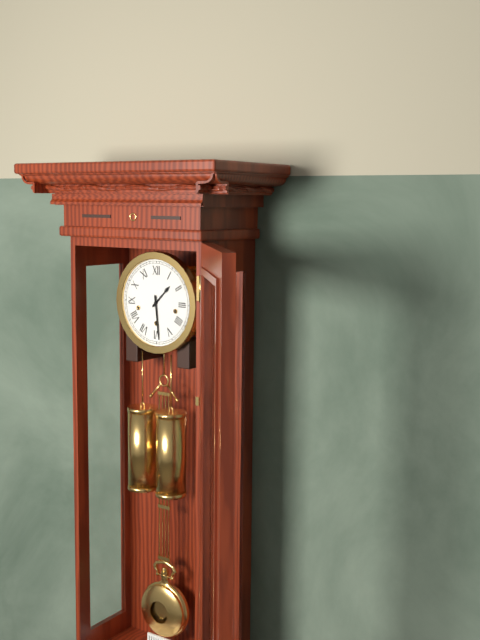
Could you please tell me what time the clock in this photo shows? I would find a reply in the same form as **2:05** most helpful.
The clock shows **1:29**
